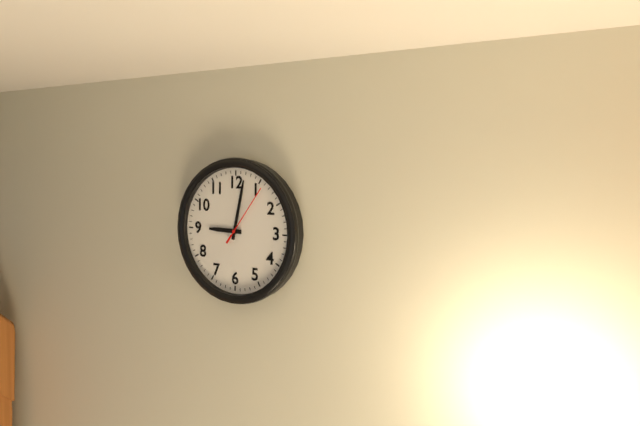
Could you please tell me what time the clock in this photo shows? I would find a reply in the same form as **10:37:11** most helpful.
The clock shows **9:02:06**
